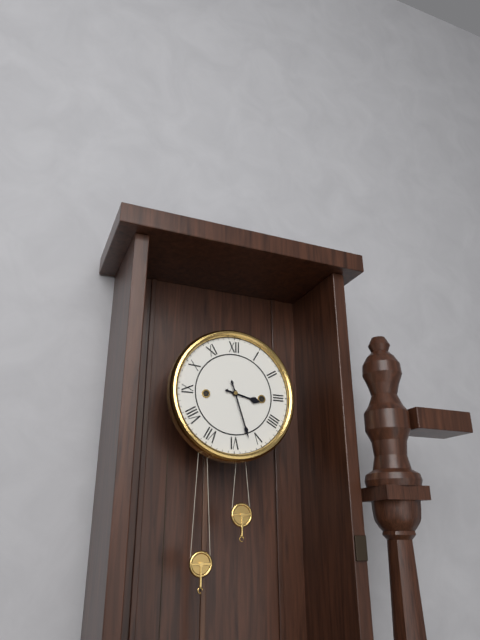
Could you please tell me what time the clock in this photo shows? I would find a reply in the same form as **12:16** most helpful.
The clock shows **3:27**
